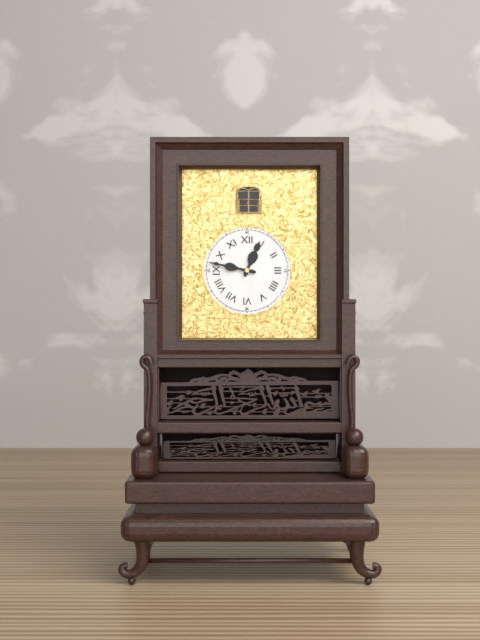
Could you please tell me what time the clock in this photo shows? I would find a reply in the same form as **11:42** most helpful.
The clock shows **12:47**
